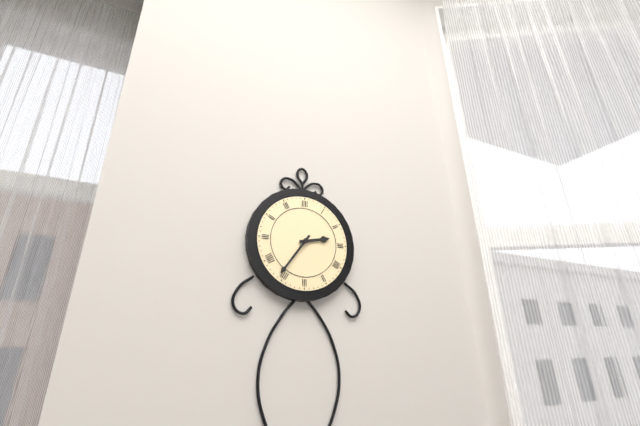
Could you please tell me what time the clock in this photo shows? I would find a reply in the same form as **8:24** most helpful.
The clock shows **2:36**
